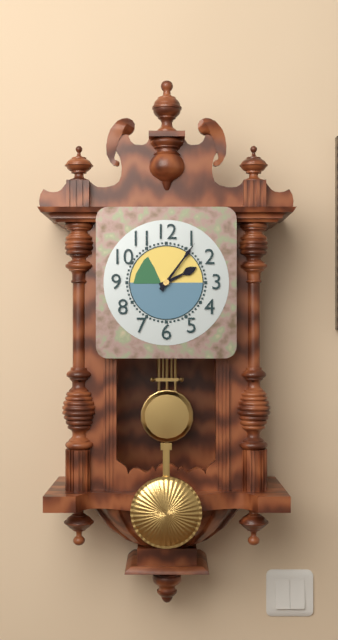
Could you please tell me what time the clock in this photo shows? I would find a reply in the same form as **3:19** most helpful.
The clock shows **2:06**
